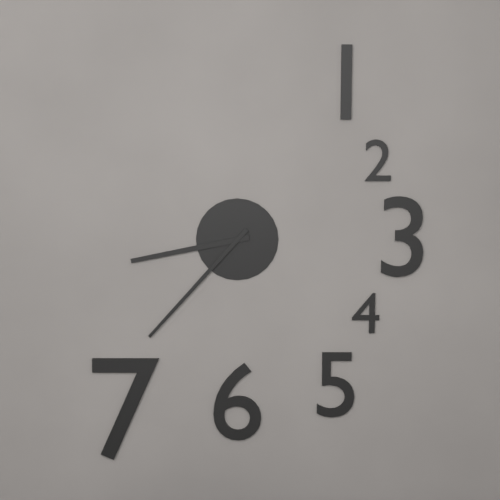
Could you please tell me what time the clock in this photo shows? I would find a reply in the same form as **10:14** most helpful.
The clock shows **8:37**
